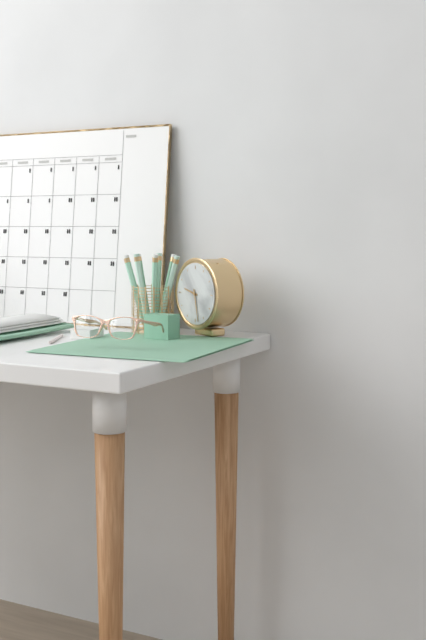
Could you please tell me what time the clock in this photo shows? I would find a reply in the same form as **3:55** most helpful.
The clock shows **9:28**
